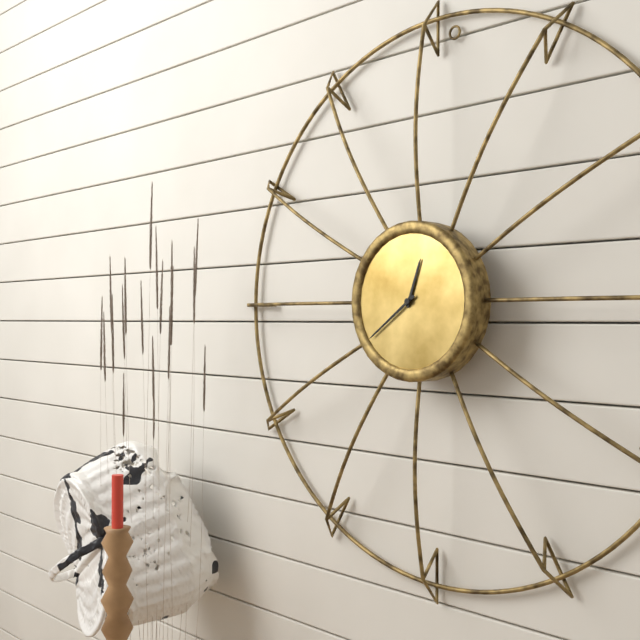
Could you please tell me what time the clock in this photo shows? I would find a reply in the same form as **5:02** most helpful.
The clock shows **12:39**
